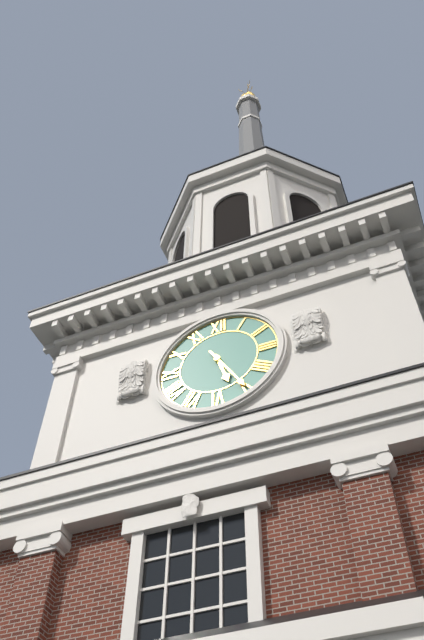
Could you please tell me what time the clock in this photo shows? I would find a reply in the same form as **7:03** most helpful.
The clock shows **5:25**
